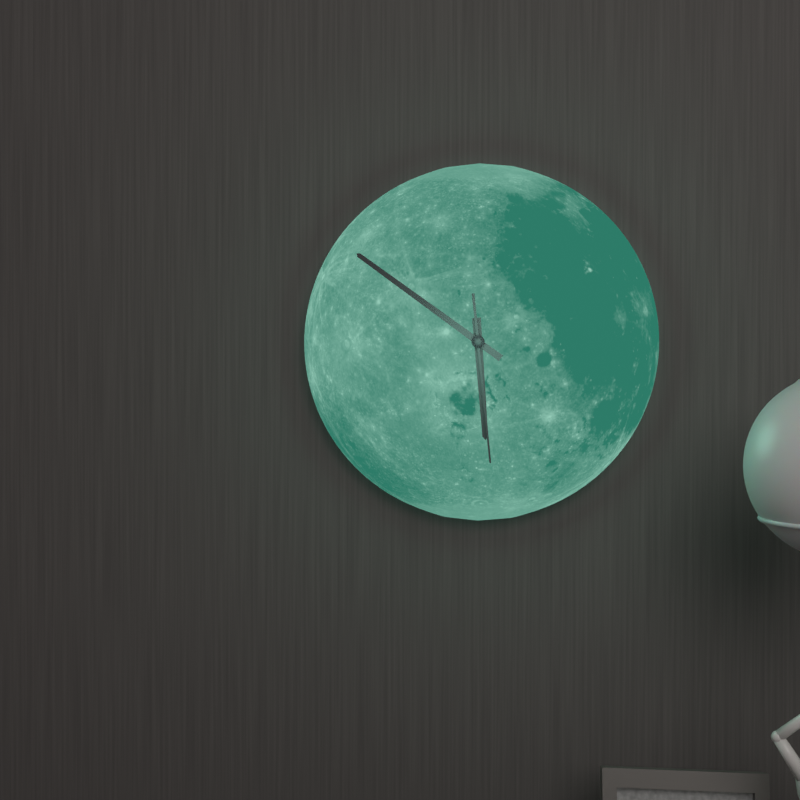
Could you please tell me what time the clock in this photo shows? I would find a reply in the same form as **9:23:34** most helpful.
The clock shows **5:51:29**
